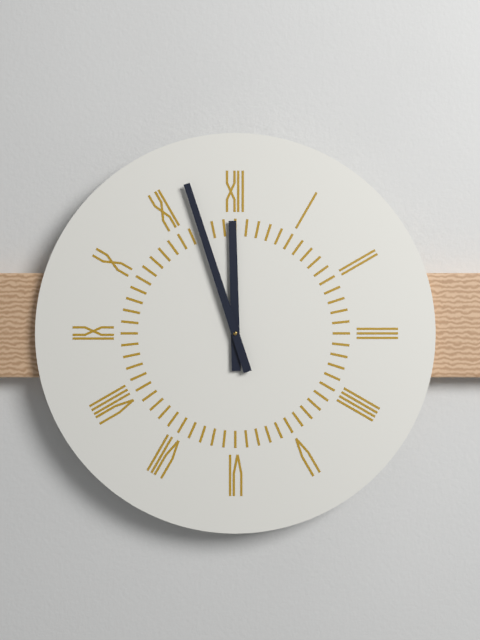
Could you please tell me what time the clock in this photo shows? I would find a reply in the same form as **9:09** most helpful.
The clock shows **11:57**
